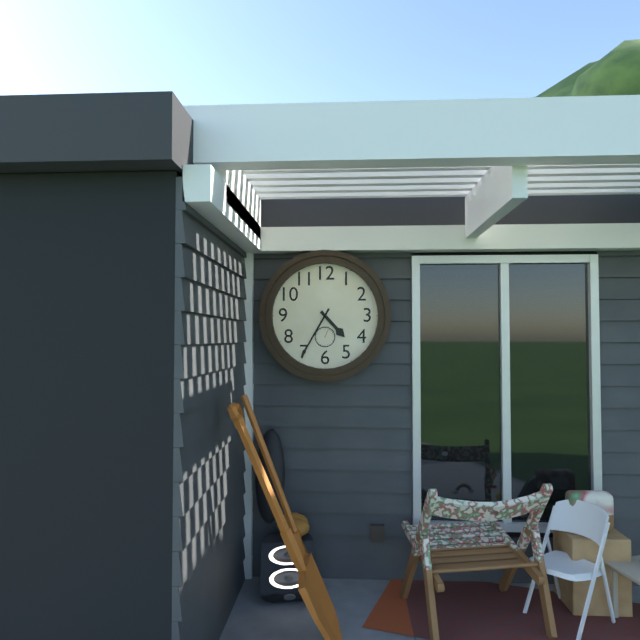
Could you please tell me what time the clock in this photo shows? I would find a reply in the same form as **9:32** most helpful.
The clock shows **4:35**
